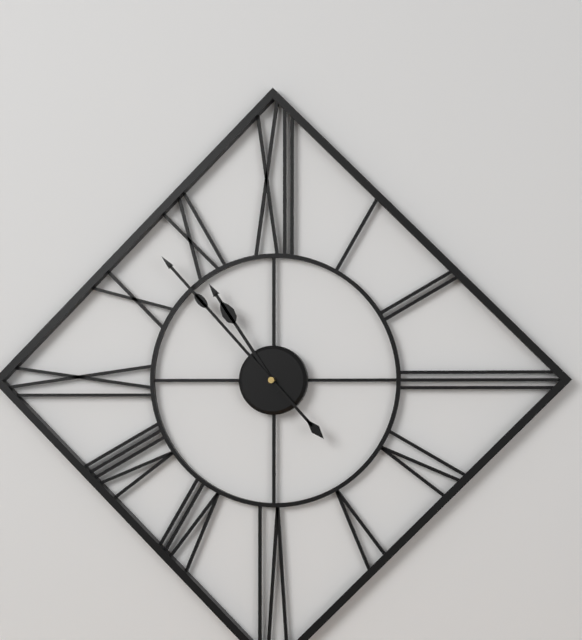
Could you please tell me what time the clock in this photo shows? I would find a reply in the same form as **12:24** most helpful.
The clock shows **10:53**
